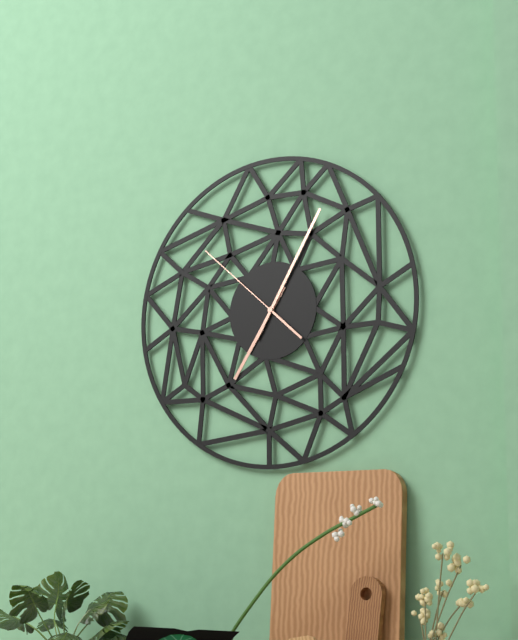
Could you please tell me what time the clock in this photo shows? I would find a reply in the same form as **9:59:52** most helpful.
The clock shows **7:05:52**
